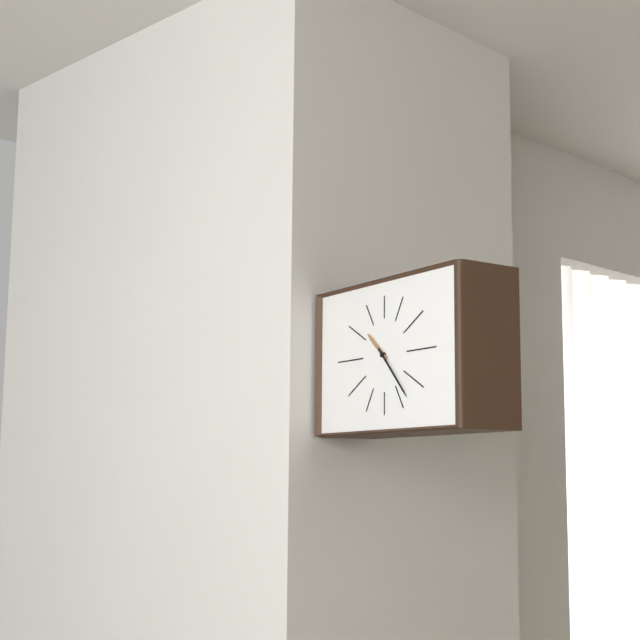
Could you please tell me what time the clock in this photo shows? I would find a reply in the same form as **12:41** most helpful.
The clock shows **10:23**
